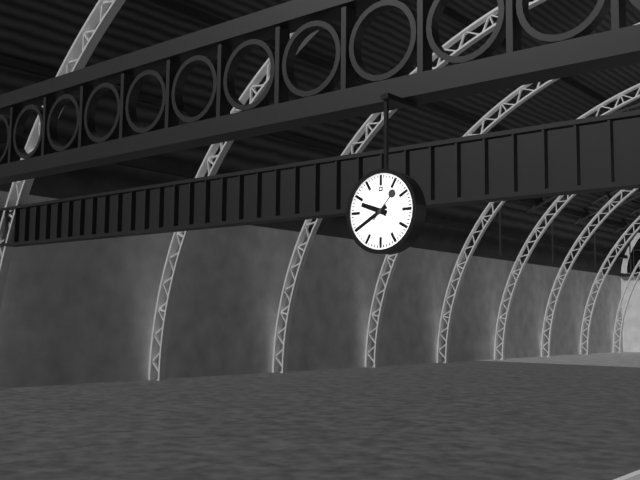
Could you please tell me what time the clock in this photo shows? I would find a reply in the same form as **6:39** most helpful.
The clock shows **9:40**
